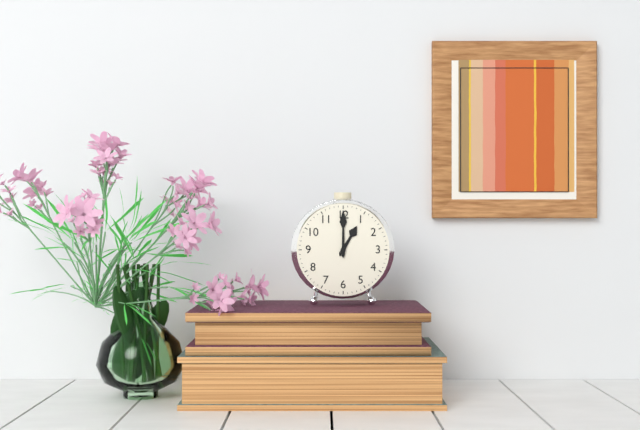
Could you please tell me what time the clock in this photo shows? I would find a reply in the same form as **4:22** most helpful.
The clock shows **1:00**
